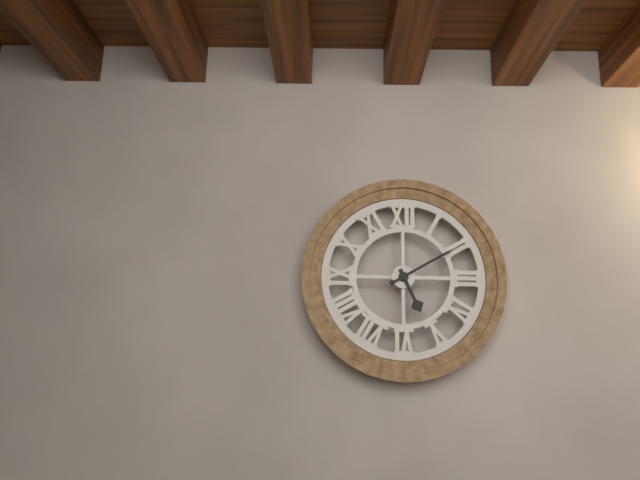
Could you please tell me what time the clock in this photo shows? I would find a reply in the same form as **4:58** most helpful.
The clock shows **5:10**
